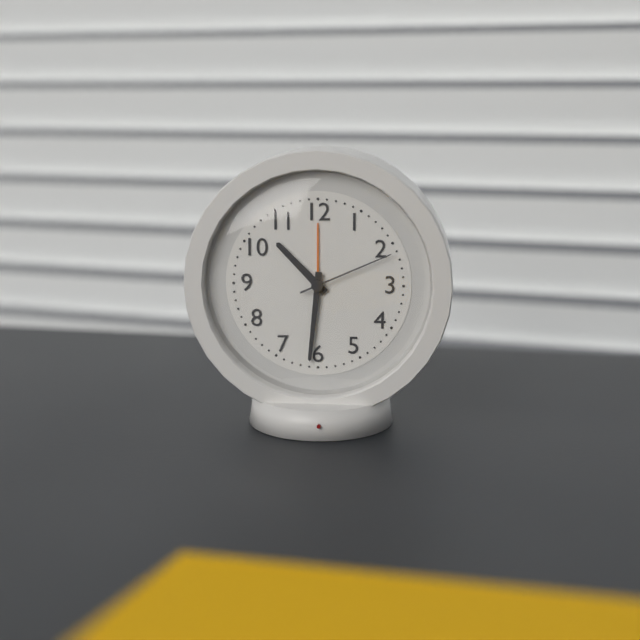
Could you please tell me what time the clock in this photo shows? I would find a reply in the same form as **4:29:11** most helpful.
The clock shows **10:31:11**
